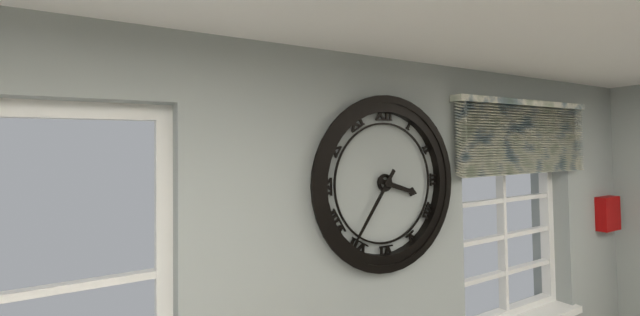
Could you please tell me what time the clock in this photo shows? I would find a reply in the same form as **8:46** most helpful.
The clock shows **3:36**
